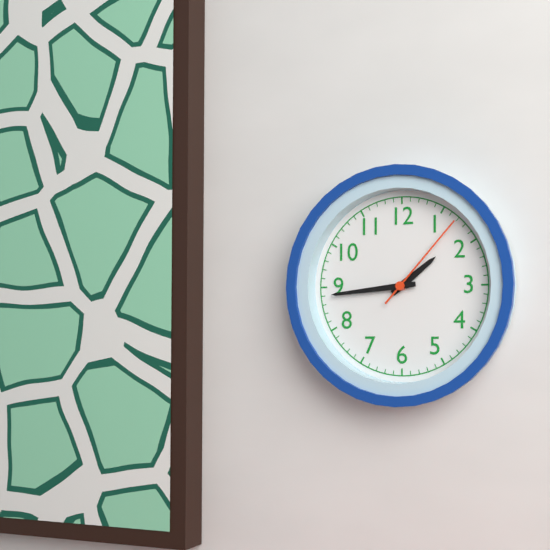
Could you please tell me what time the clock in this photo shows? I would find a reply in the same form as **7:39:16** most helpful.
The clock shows **1:44:07**
